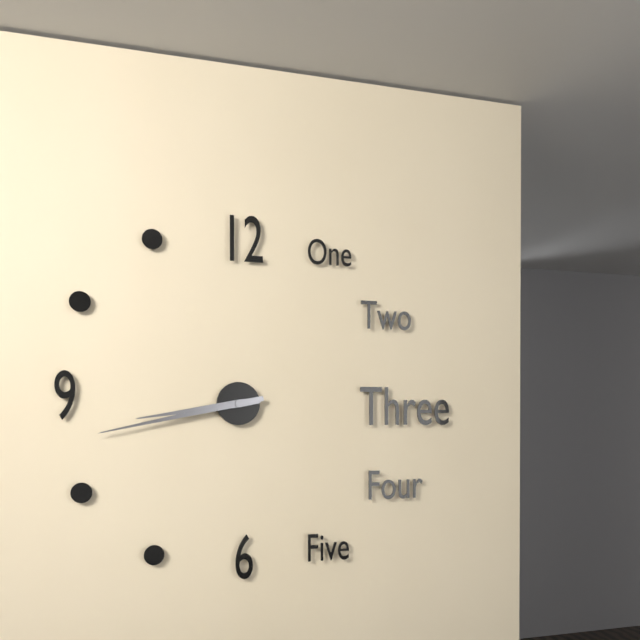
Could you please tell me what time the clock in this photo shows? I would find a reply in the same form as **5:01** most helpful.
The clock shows **8:43**
